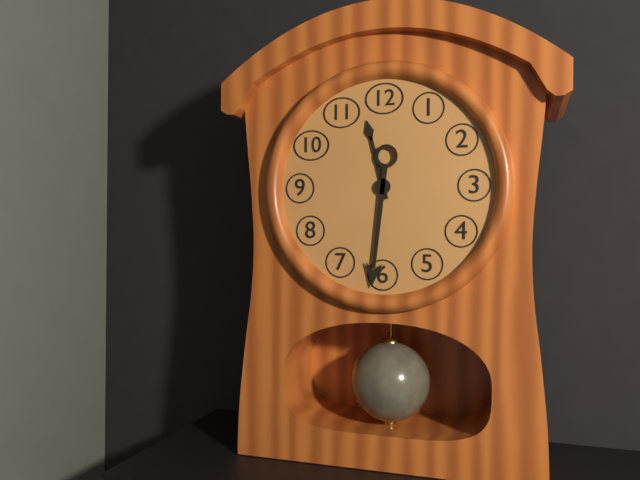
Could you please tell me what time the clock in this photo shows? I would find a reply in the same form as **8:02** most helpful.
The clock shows **11:31**
